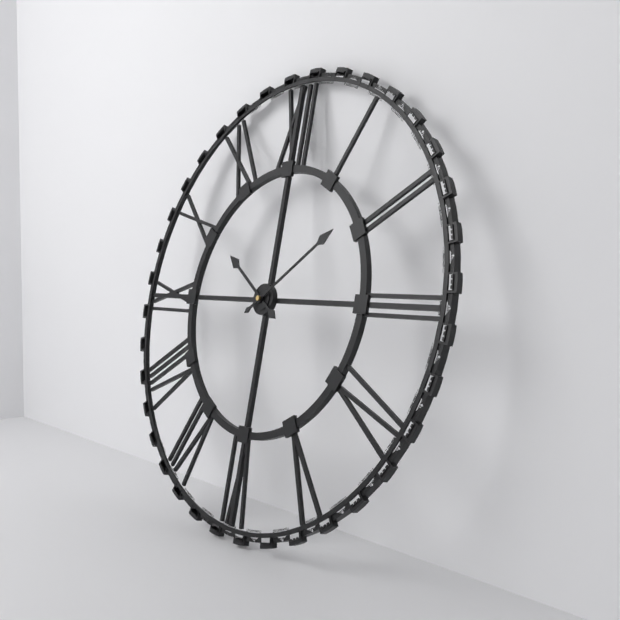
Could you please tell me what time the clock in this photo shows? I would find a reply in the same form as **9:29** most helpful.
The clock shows **10:09**
